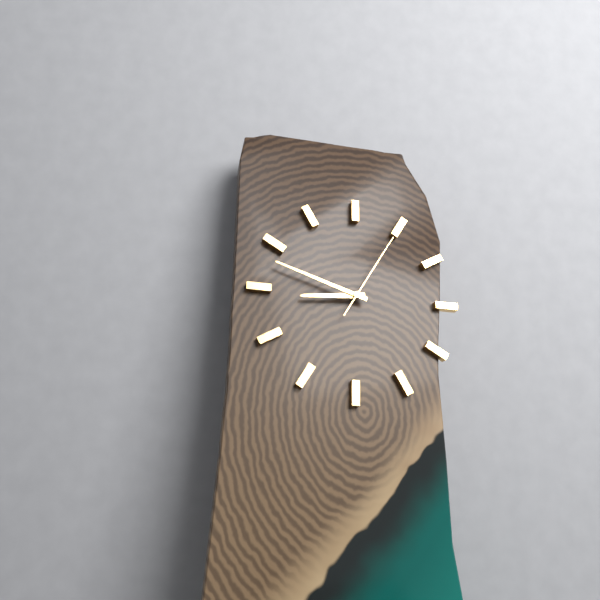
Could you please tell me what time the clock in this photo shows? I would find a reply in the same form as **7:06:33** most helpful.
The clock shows **8:48:05**
